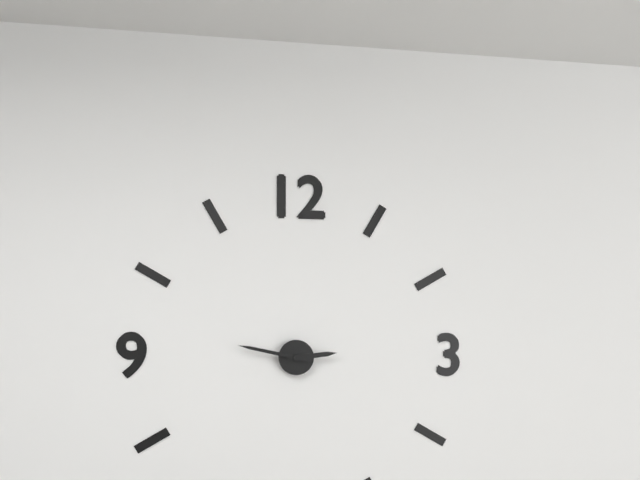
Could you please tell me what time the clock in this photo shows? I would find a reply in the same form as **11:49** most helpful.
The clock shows **2:47**
